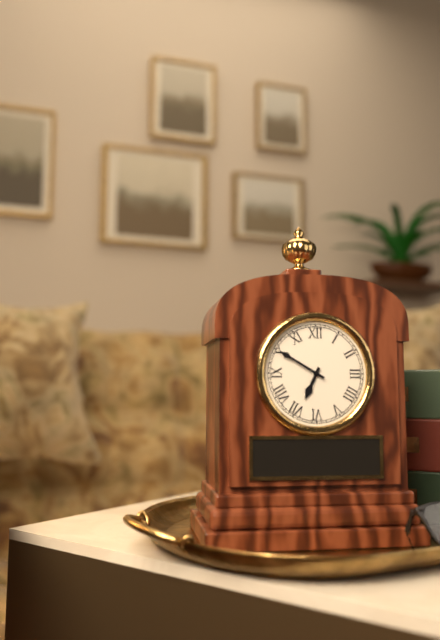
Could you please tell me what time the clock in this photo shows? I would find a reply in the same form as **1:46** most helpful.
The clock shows **6:50**
